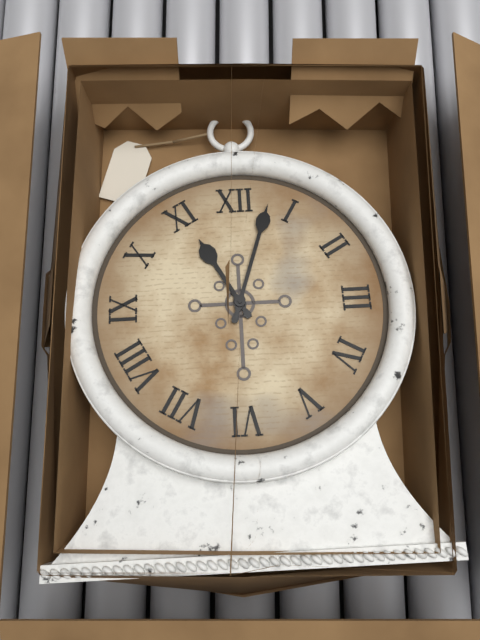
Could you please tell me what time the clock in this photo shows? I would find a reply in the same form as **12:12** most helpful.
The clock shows **11:03**
